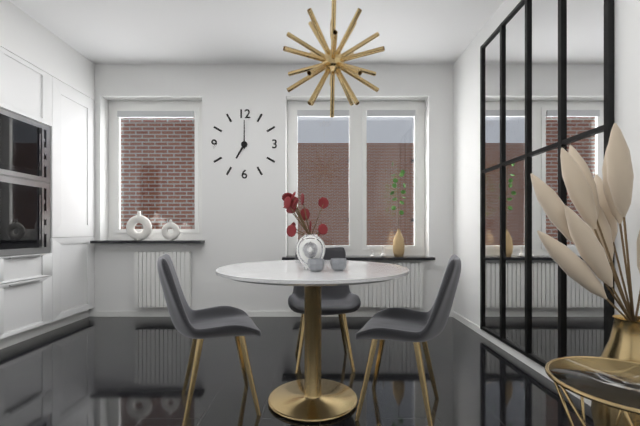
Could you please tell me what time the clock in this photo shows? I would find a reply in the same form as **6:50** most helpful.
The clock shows **7:00**
